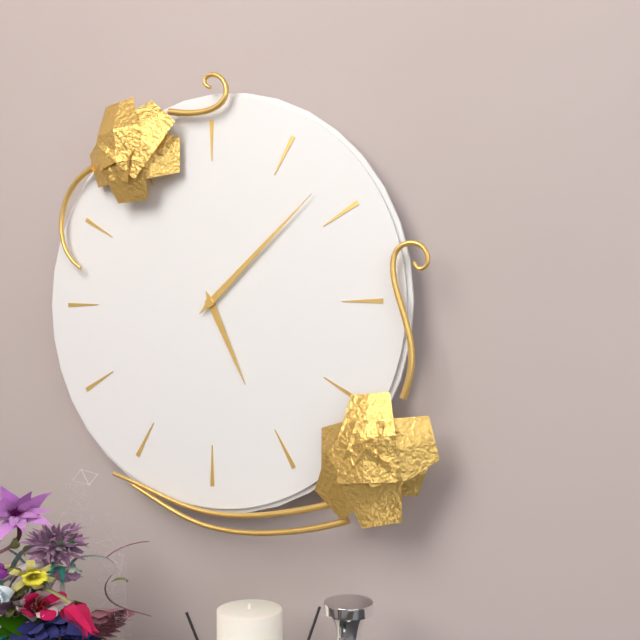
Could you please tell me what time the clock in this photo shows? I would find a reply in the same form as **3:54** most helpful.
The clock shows **5:08**
